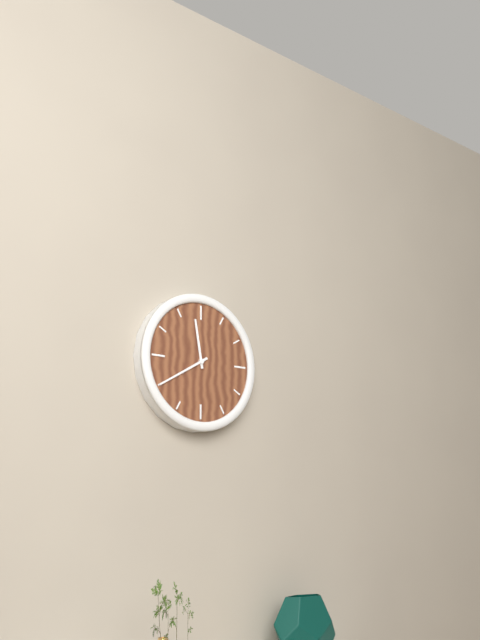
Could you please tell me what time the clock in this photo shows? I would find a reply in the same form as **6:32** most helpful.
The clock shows **11:40**
